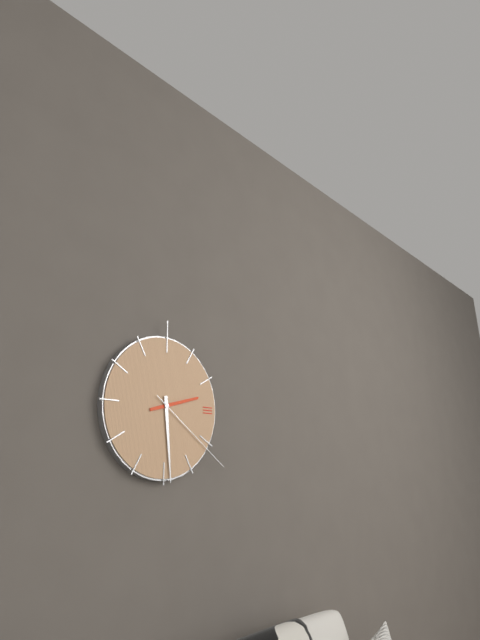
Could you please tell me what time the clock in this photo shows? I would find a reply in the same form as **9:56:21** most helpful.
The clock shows **2:29:21**
